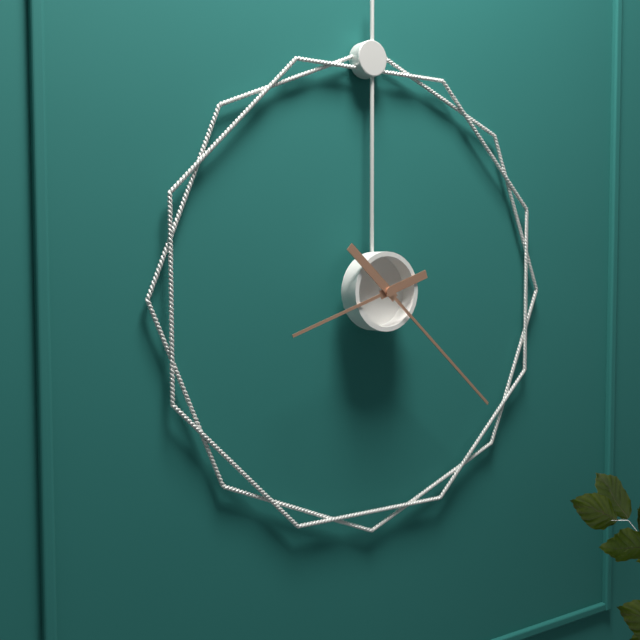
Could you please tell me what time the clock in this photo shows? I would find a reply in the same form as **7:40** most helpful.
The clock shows **8:22**
